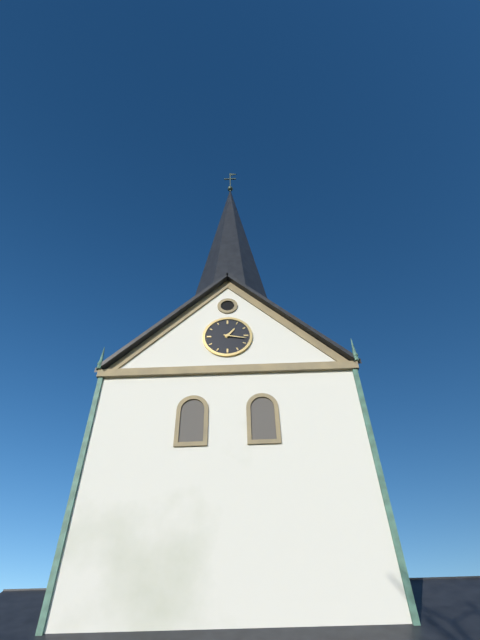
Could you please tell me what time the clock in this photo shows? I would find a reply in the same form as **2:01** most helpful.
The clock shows **1:17**
